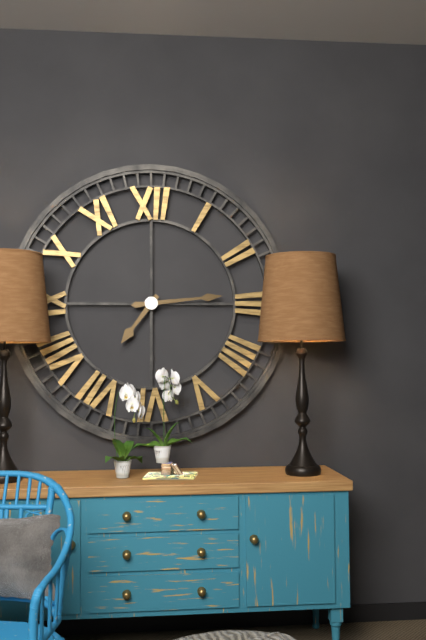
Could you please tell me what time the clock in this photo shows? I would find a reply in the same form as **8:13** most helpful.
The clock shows **7:14**
